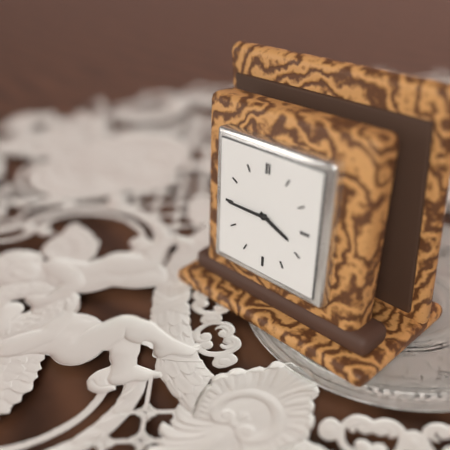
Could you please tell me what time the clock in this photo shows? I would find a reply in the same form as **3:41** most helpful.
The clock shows **3:45**
